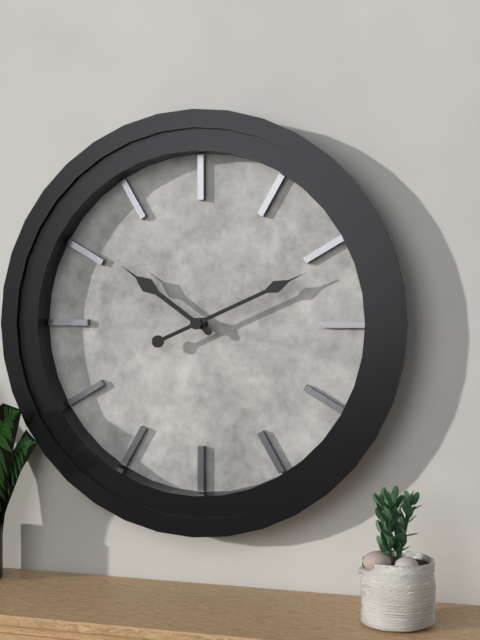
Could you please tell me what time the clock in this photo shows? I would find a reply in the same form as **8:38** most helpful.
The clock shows **10:11**
